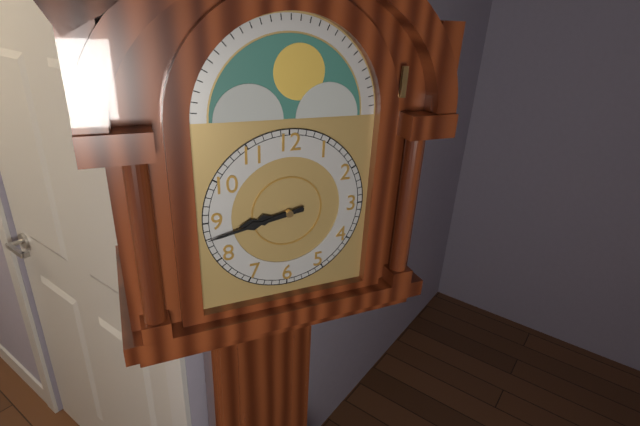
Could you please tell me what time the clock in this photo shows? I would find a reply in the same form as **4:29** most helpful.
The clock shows **8:43**
